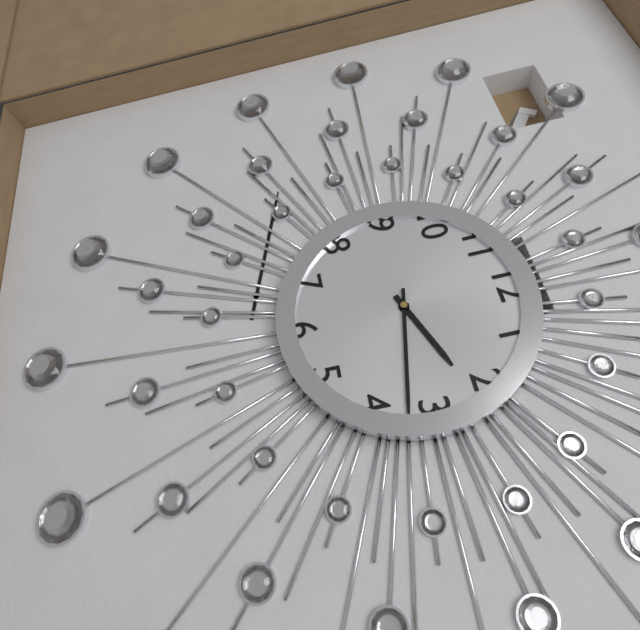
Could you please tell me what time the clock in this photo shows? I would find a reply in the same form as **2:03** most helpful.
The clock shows **2:17**
